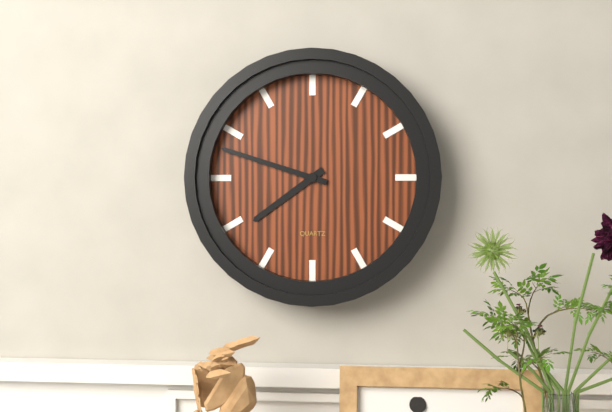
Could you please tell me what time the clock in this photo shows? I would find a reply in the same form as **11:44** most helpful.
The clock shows **7:48**
